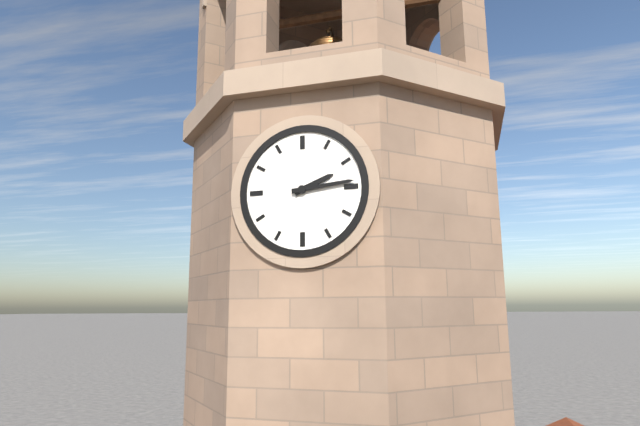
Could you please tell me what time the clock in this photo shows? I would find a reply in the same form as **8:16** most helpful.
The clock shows **2:14**
